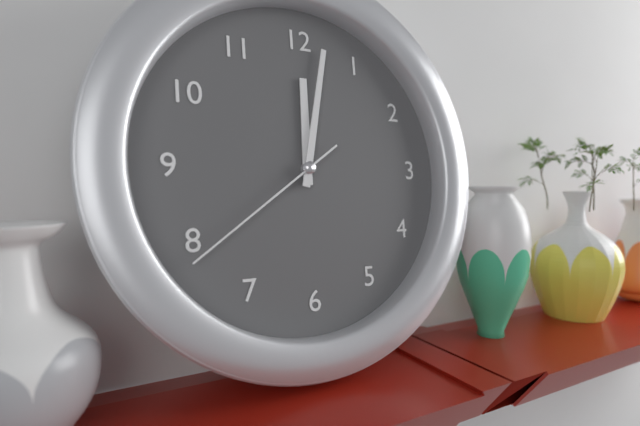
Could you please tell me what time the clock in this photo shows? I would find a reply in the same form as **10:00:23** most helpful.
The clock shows **12:02:39**
